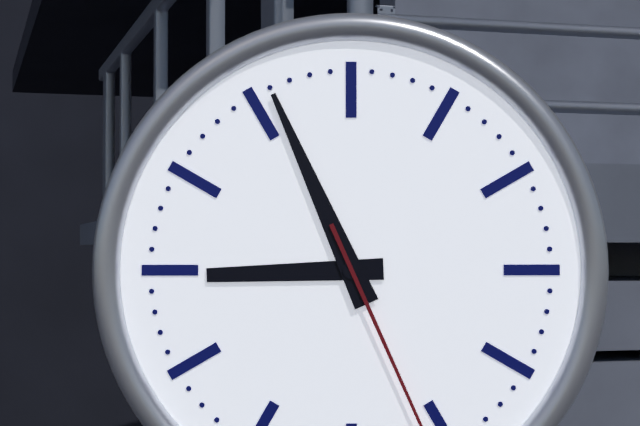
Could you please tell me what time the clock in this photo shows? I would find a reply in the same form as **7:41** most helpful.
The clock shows **8:56**
